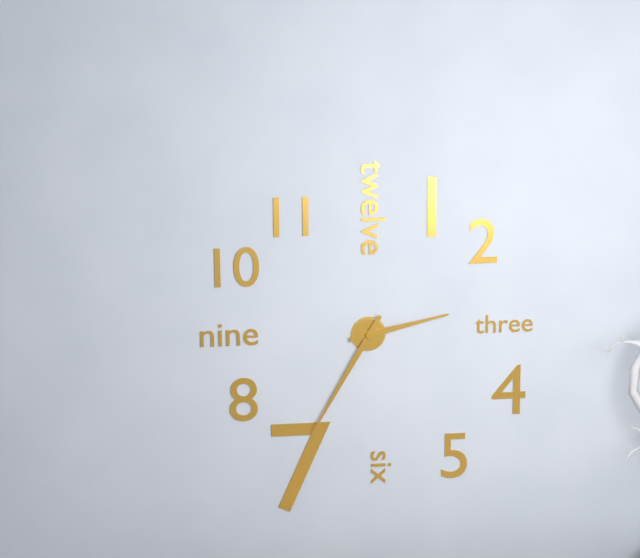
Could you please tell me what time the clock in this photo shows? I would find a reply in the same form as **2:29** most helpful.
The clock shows **2:35**
